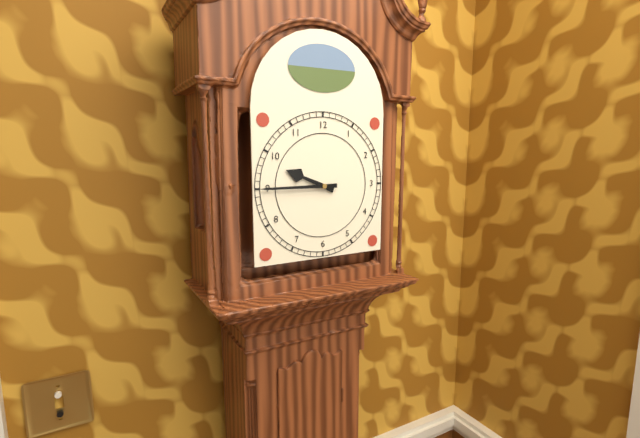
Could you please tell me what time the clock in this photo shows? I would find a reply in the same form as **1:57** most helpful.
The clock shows **9:45**
